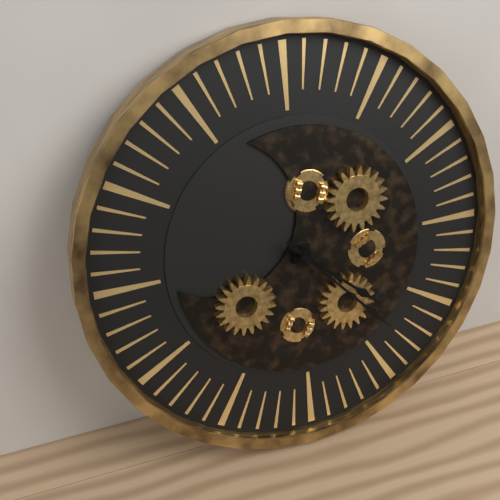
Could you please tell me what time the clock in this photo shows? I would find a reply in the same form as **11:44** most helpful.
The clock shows **4:23**
